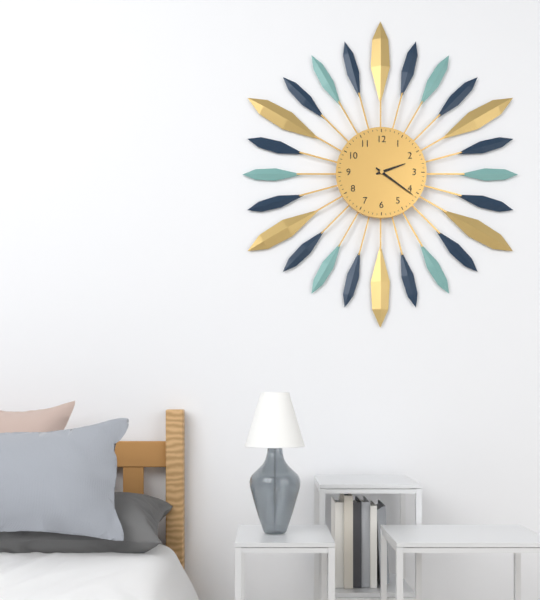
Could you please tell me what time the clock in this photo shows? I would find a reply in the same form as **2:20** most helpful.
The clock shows **2:21**
